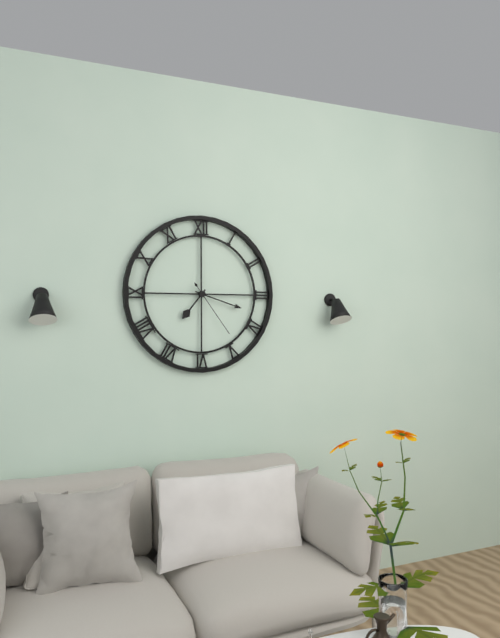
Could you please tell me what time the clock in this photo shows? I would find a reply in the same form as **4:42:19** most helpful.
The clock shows **7:18:24**
